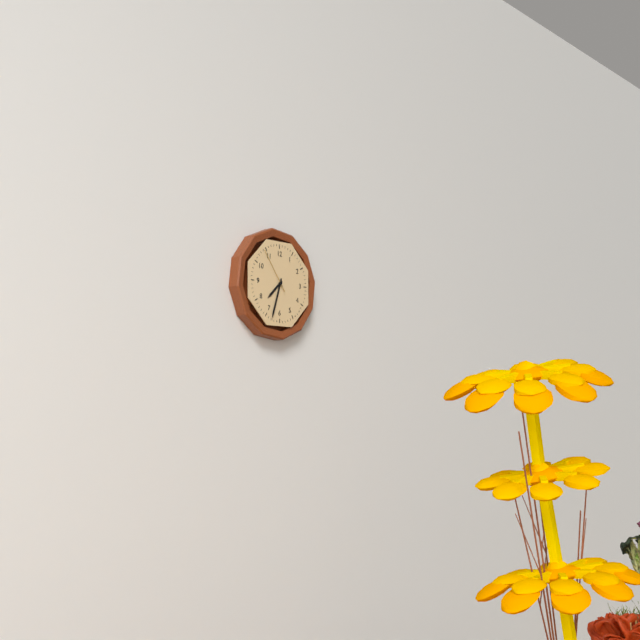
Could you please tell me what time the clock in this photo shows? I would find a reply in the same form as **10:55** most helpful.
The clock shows **7:33**
